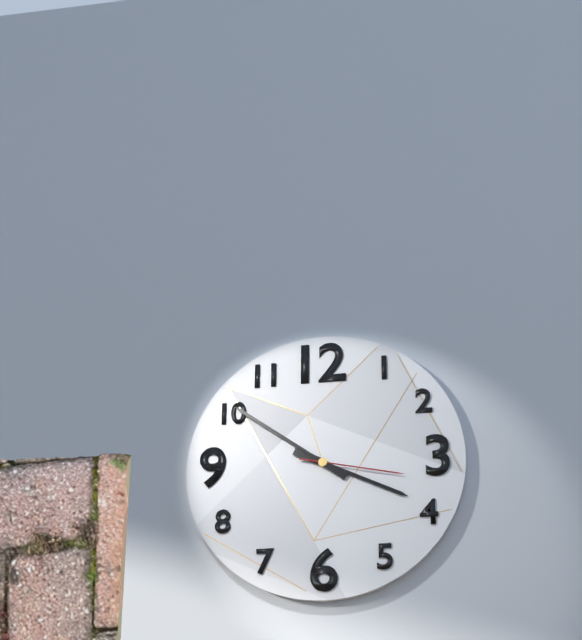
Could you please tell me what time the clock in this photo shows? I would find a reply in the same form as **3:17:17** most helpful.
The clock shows **3:51:17**
